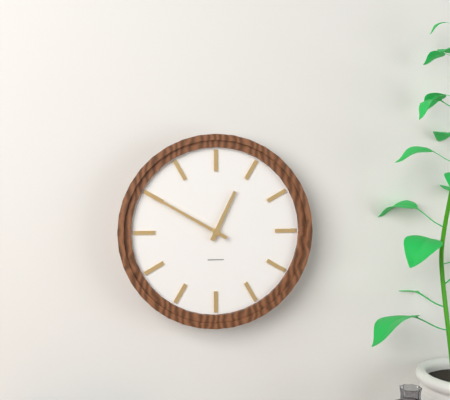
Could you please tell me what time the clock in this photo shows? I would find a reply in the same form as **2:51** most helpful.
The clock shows **12:50**
